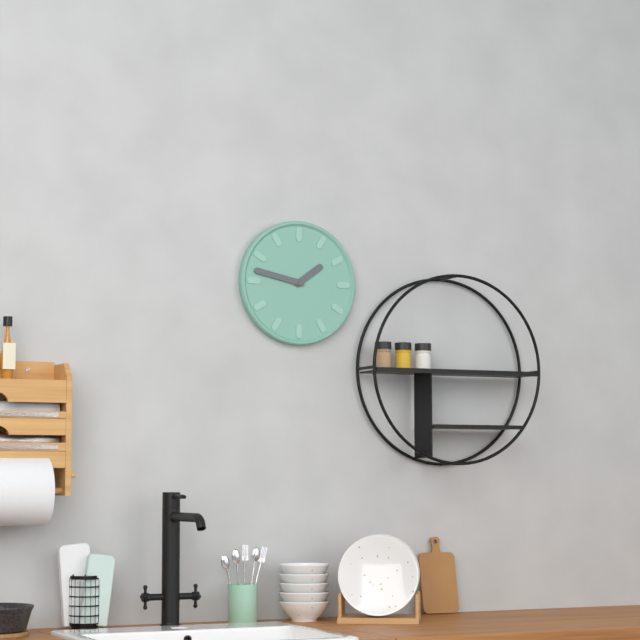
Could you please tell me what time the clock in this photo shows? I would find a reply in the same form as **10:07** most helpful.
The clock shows **1:47**
